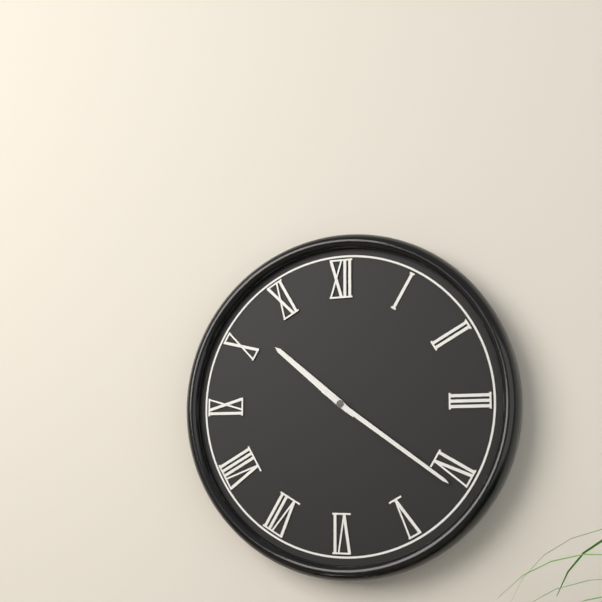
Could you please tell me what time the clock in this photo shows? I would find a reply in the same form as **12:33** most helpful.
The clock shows **10:21**
